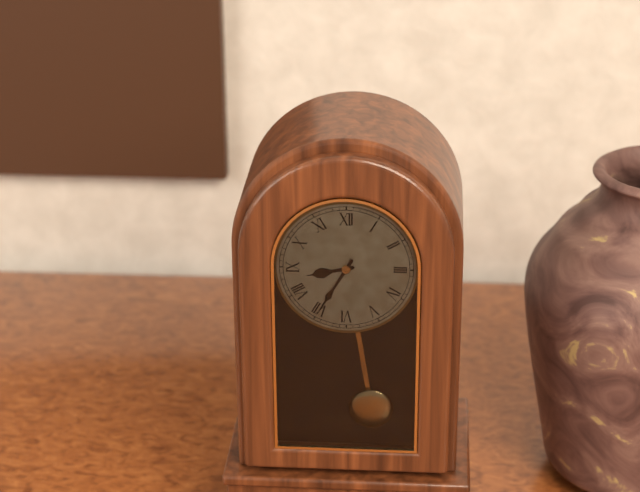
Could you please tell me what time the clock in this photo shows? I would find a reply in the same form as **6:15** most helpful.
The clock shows **8:35**
